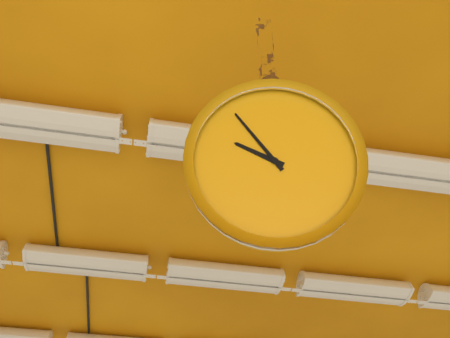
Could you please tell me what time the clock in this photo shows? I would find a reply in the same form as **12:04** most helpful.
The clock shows **9:54**
